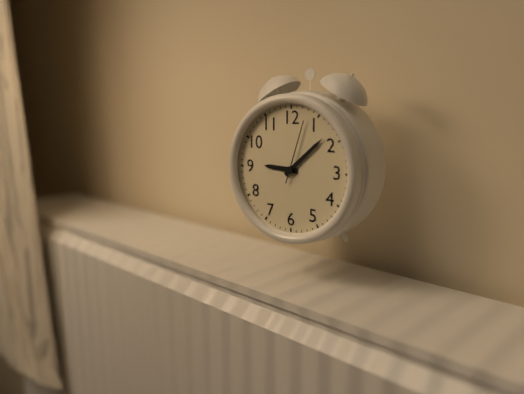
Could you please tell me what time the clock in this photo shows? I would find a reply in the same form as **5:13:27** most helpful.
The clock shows **9:08:03**
